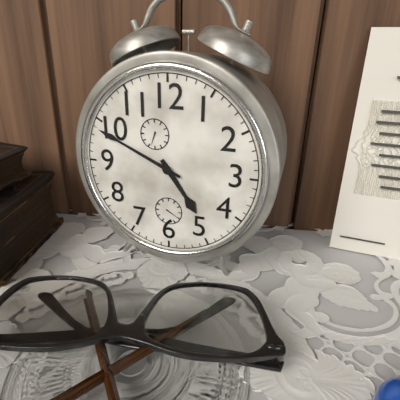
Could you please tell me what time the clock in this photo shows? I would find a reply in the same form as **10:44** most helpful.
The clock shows **4:49**
